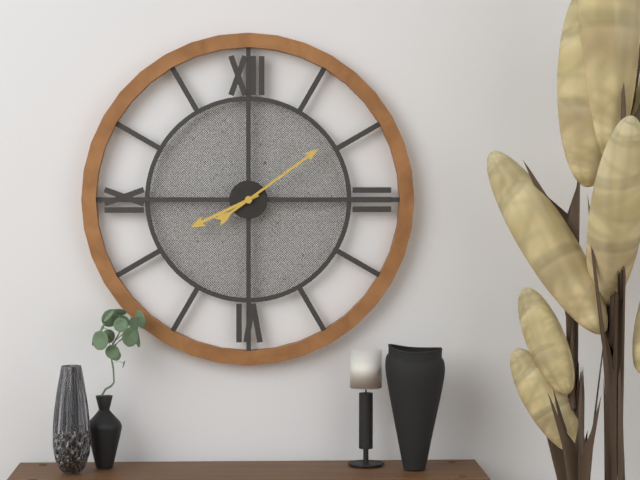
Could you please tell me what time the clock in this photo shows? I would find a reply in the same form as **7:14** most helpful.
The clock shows **8:09**
